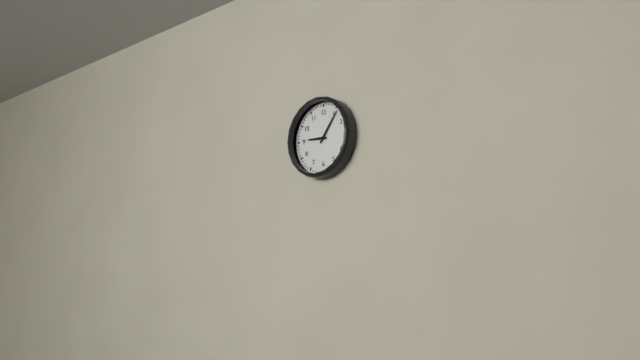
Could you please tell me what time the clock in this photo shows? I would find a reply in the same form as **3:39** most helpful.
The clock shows **9:06**
